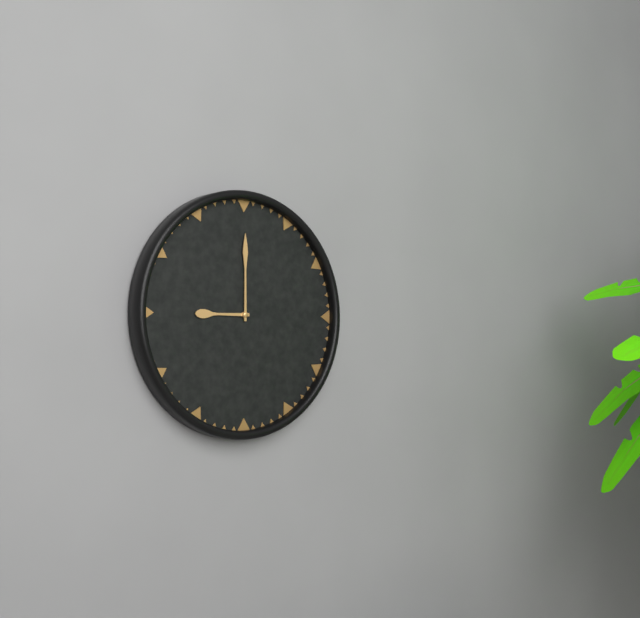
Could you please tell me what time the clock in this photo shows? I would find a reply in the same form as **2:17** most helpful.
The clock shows **9:00**
